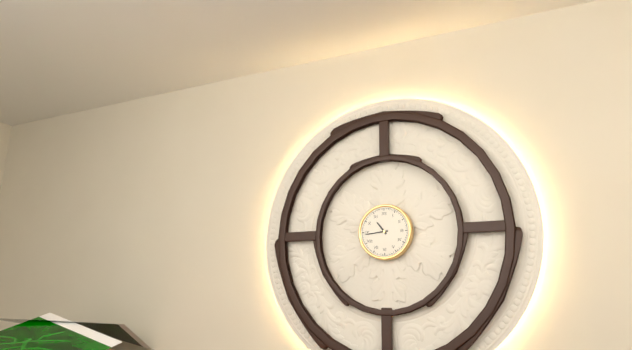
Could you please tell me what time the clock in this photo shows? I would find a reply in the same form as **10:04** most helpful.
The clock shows **10:44**
